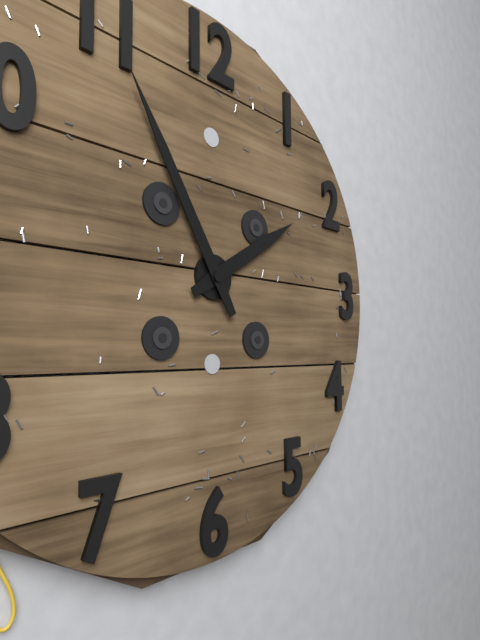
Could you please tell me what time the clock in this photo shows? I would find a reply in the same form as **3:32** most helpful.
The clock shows **1:55**
